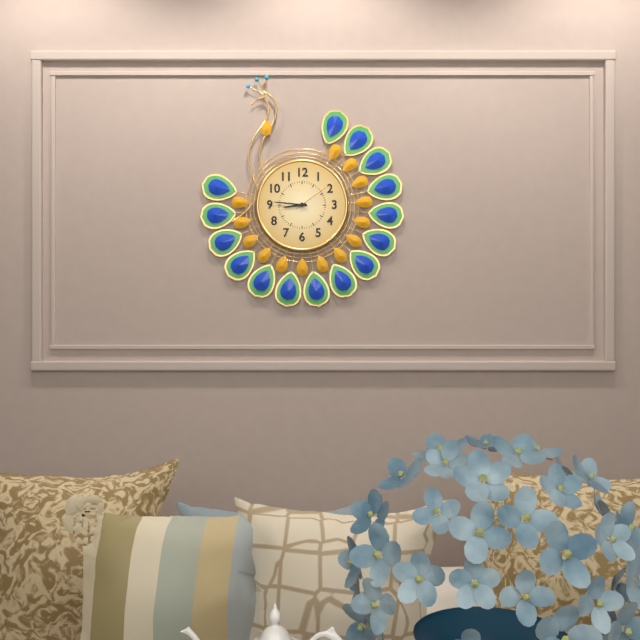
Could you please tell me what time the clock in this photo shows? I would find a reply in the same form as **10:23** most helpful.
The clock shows **8:46**
